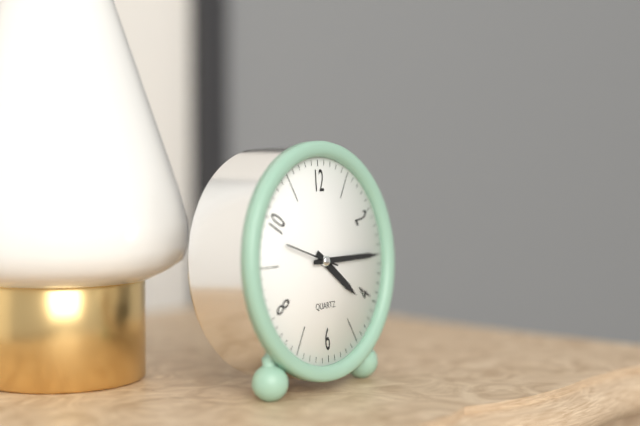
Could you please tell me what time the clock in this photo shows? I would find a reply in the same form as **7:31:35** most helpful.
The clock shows **4:15:48**
